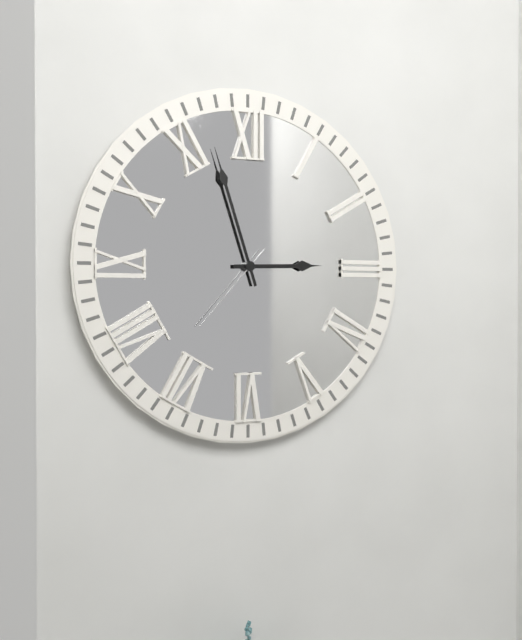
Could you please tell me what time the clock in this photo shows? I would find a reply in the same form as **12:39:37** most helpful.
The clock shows **2:57:37**
